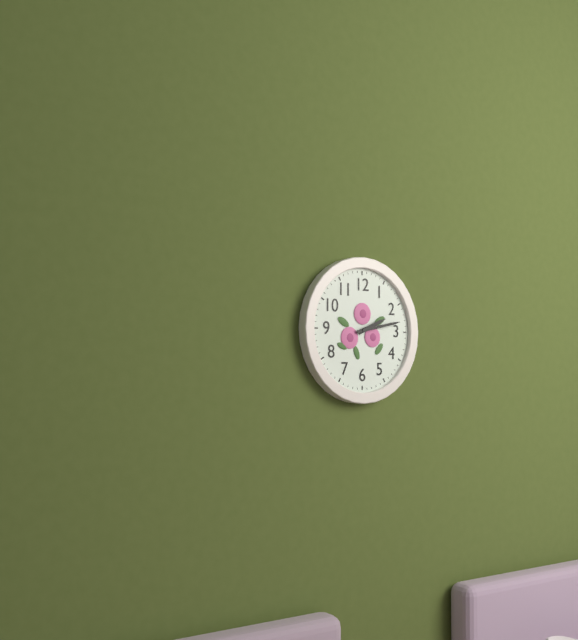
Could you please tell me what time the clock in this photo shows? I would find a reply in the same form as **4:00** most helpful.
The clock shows **2:13**
